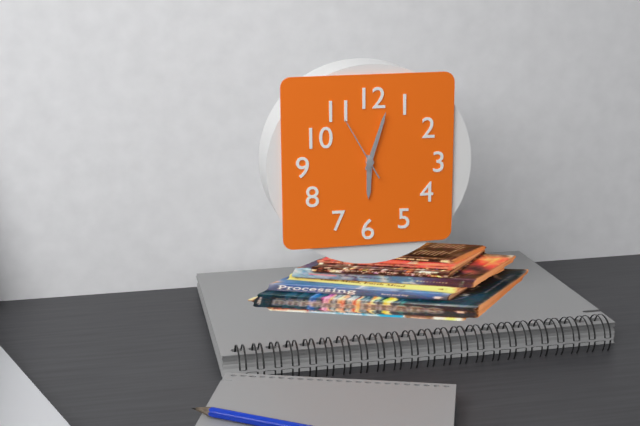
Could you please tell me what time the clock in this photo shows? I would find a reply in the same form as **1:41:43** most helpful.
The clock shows **6:03:55**
